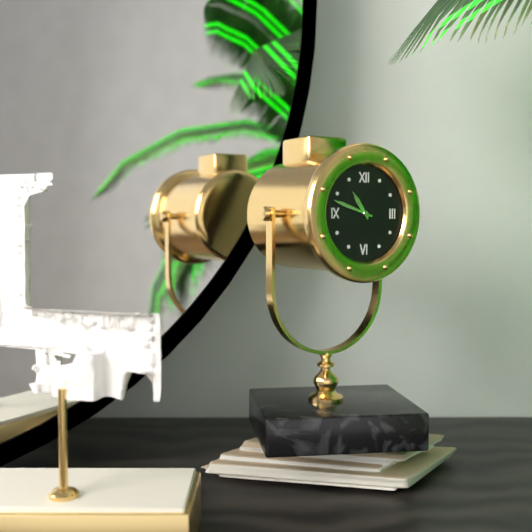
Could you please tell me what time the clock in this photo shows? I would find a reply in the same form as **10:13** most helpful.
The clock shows **10:48**
